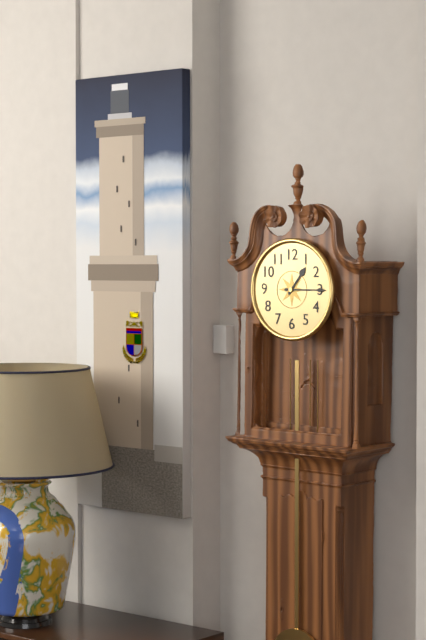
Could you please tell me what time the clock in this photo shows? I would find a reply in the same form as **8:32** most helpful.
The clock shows **1:15**
